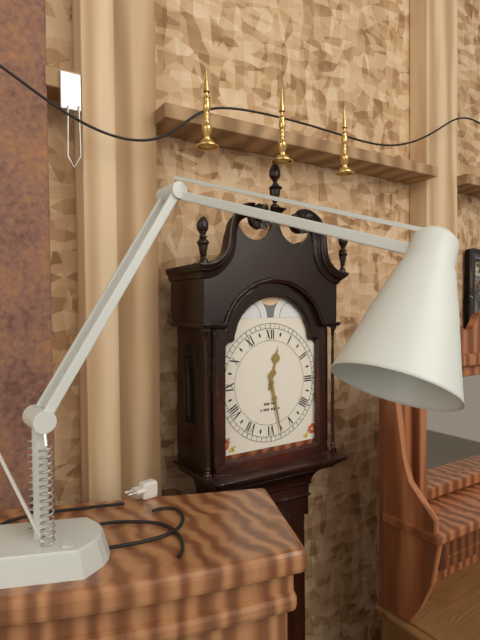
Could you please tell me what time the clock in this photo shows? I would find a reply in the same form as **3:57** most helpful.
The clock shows **12:28**
